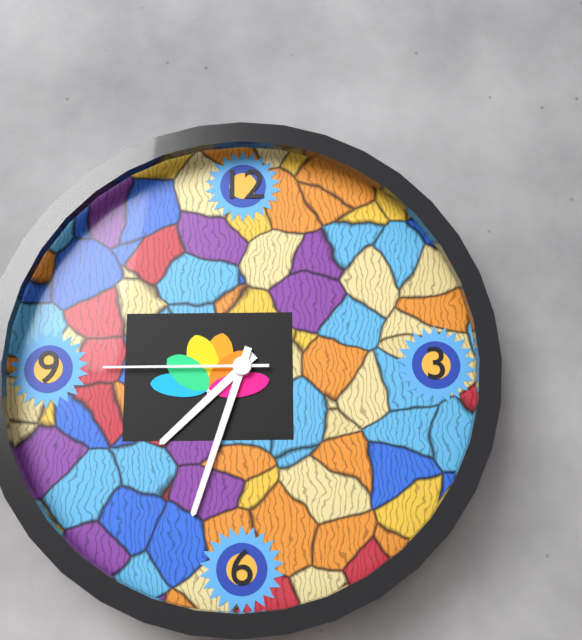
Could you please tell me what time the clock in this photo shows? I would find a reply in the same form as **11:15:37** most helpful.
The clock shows **7:33:45**
